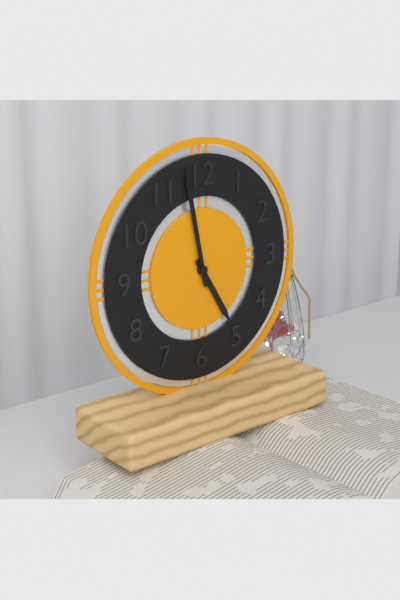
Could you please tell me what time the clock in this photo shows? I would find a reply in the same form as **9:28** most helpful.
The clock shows **4:58**
